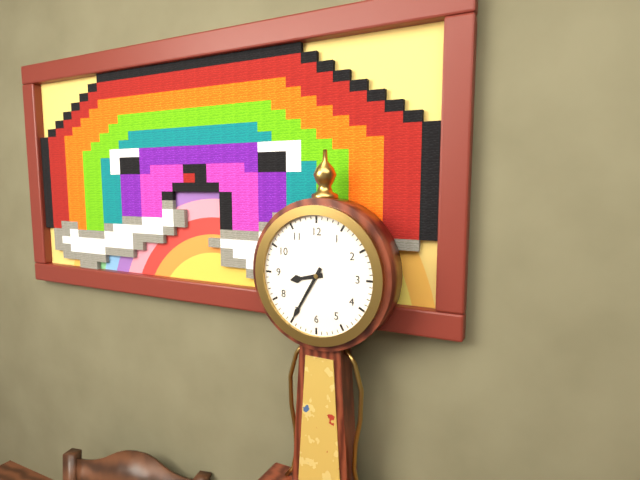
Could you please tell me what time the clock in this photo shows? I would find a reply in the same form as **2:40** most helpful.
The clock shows **8:35**
